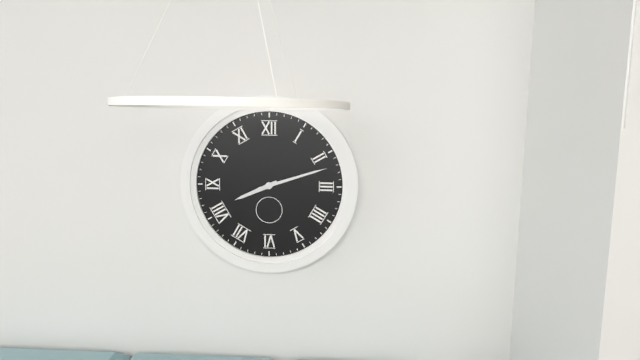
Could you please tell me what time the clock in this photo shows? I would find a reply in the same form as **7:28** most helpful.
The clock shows **8:12**
